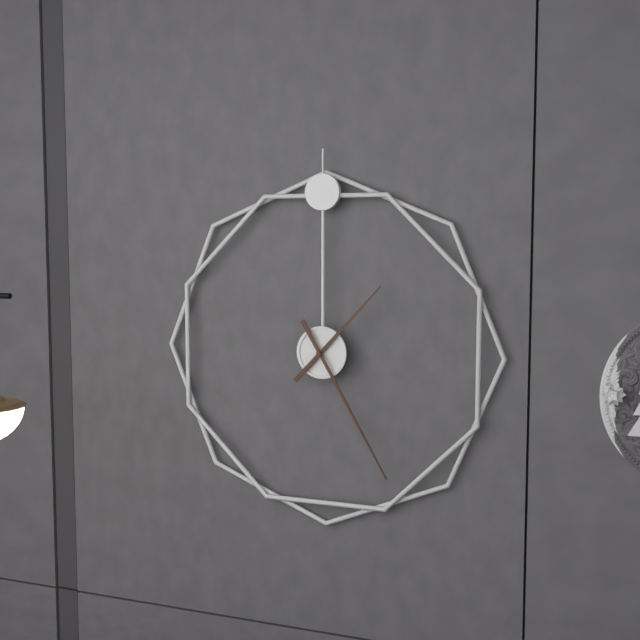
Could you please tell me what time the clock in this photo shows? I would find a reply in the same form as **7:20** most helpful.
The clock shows **1:25**
